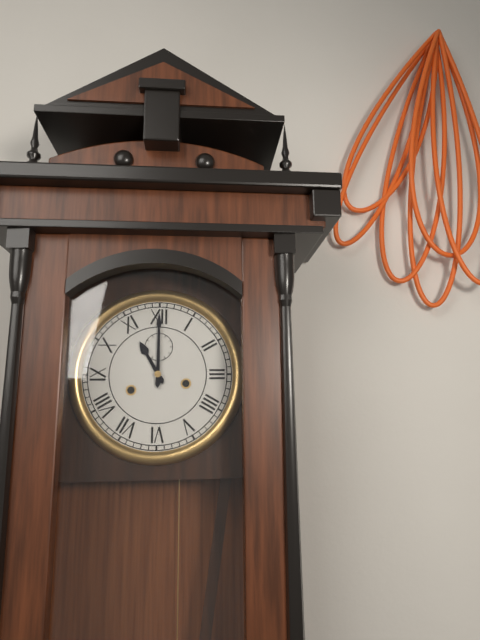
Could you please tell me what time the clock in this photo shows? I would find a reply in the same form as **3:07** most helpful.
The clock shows **11:00**
